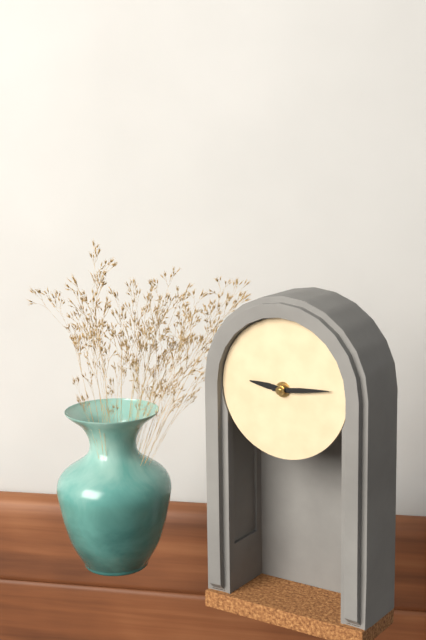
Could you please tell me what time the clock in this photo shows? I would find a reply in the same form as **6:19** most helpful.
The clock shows **9:14**
